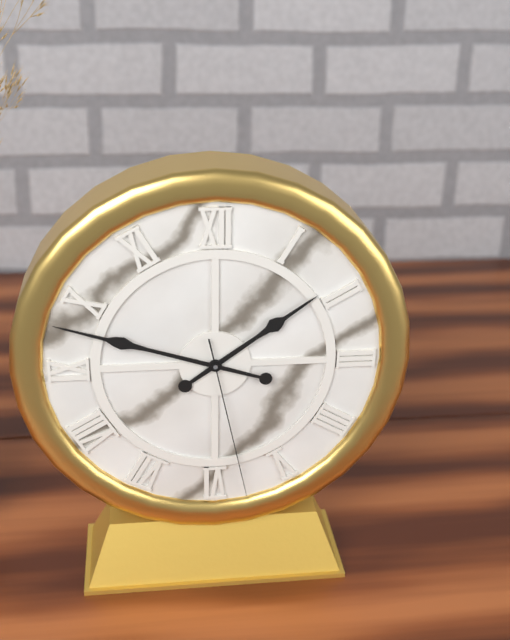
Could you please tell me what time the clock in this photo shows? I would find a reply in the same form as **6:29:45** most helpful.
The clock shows **1:48:28**
